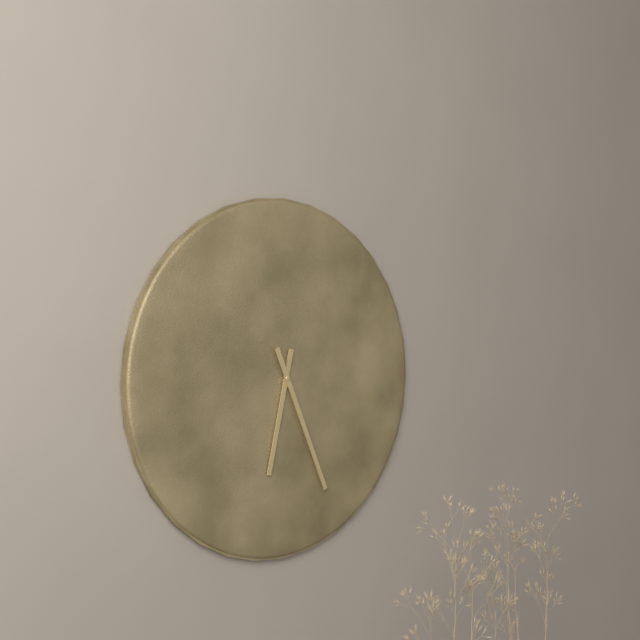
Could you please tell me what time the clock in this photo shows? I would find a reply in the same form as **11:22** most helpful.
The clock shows **6:26**
